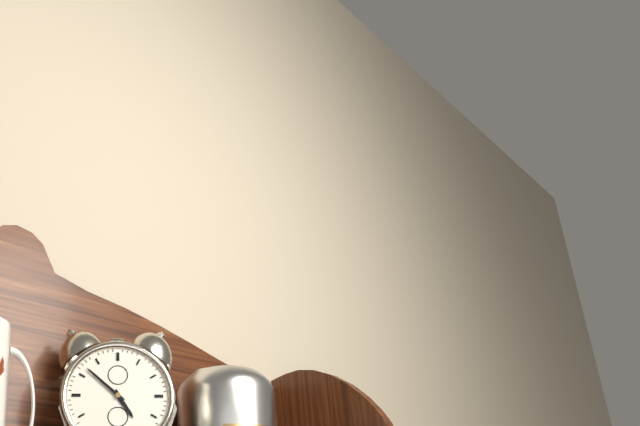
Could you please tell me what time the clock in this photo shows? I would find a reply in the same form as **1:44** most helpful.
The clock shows **4:52**
